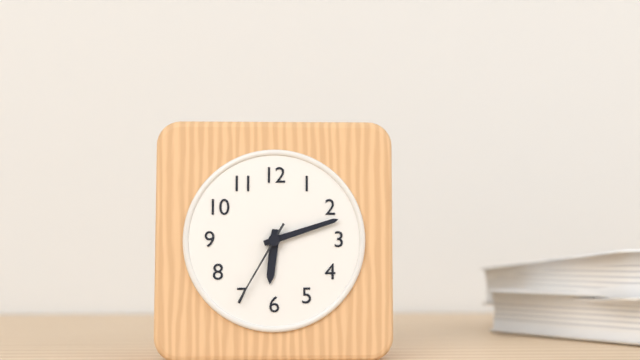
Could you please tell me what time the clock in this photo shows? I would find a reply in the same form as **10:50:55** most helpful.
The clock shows **6:12:35**
